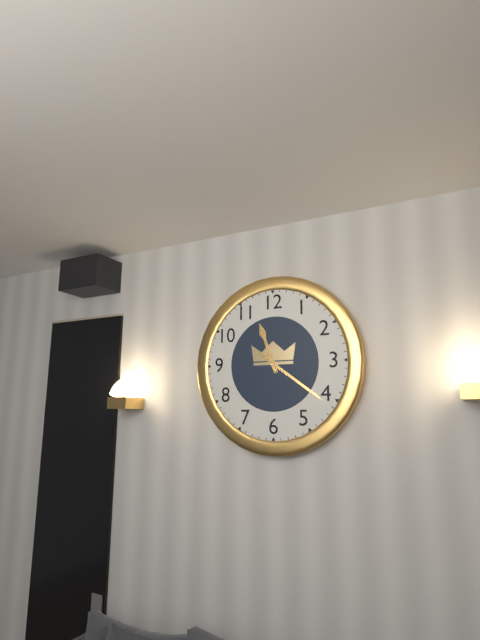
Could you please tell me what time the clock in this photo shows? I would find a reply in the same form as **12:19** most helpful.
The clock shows **11:21**
